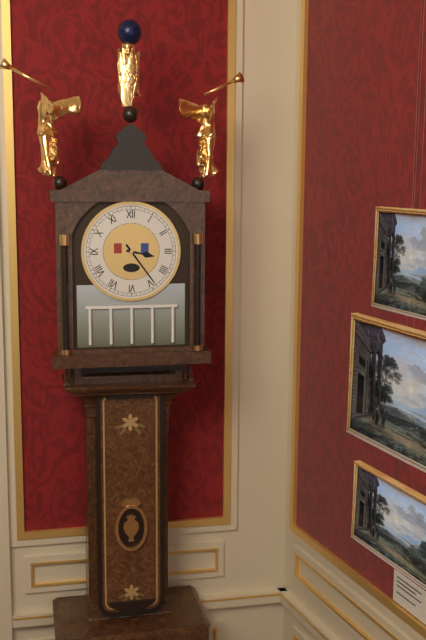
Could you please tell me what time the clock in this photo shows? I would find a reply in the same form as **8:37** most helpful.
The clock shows **3:24**
